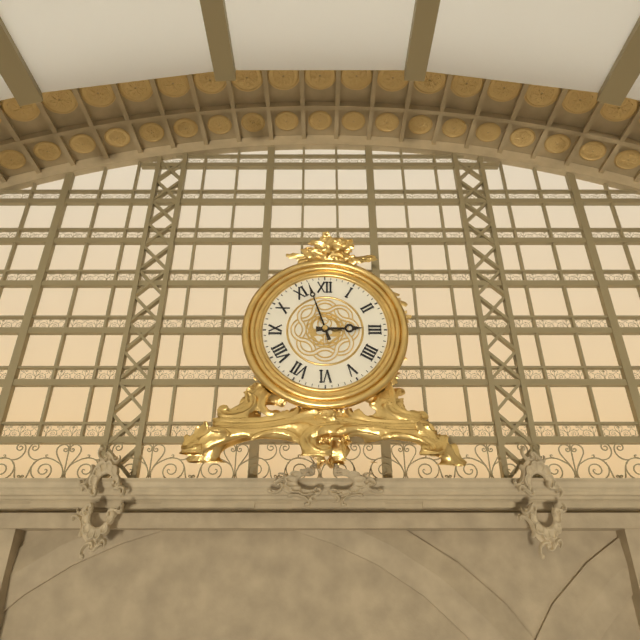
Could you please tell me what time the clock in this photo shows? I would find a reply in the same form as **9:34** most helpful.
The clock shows **2:57**
